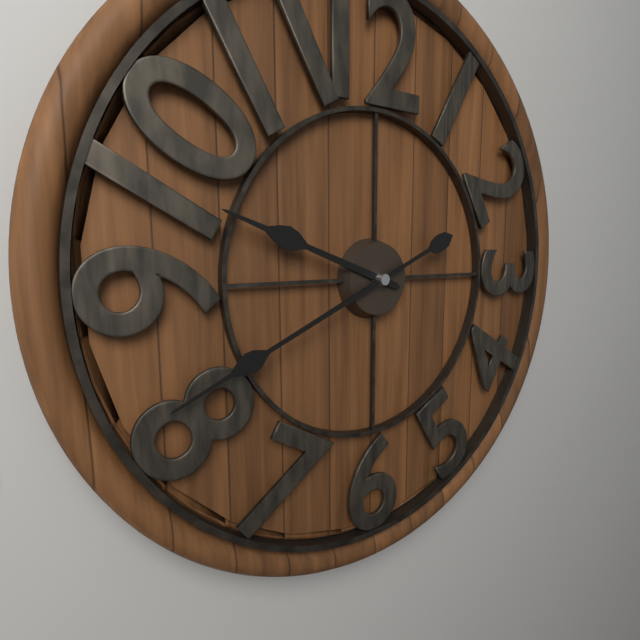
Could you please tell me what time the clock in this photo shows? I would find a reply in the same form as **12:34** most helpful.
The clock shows **9:41**
